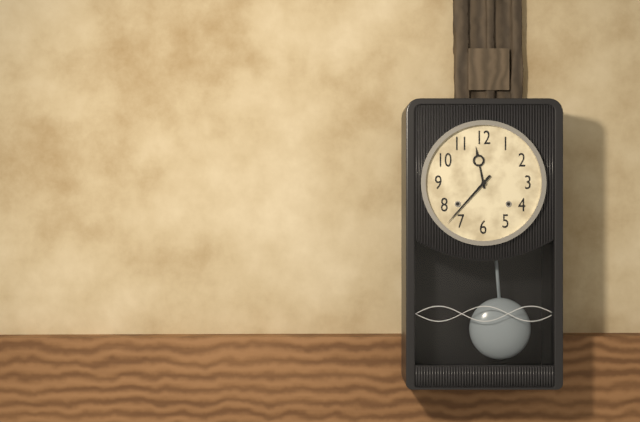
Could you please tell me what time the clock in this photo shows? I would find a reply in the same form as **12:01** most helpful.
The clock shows **11:37**
